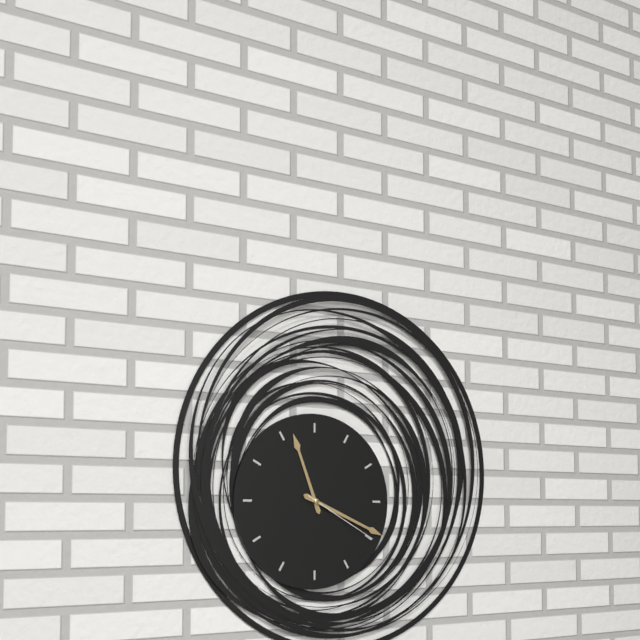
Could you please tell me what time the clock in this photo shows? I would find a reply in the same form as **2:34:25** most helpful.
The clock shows **11:19:20**
